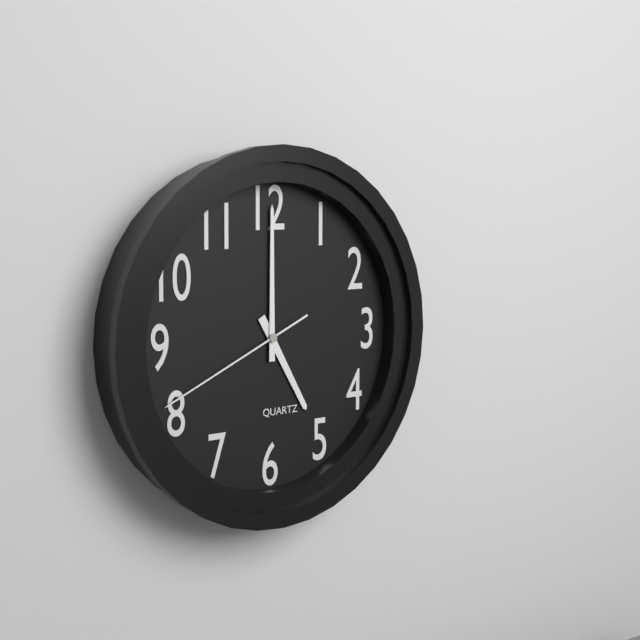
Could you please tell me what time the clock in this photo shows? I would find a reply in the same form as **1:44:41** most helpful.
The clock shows **5:00:41**
